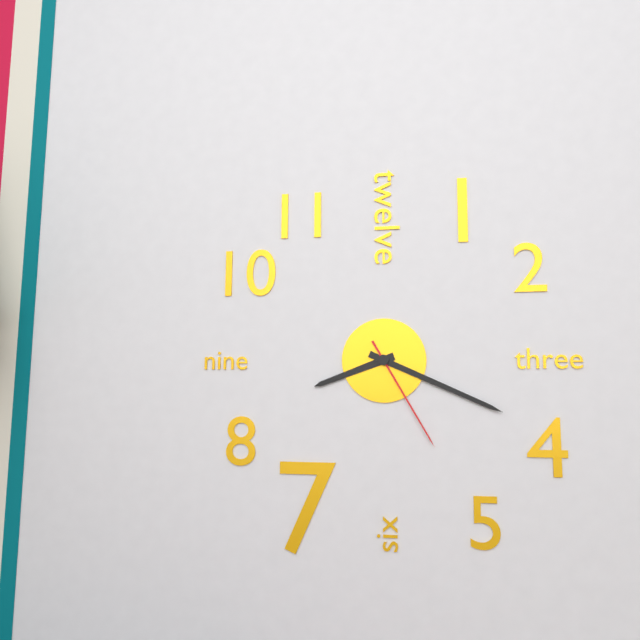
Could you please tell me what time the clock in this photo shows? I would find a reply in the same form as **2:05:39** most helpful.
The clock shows **8:19:25**
